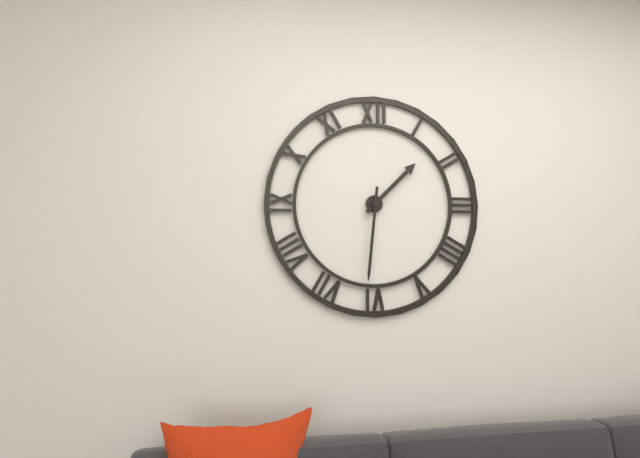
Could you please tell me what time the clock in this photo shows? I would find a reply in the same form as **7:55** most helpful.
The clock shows **1:31**
